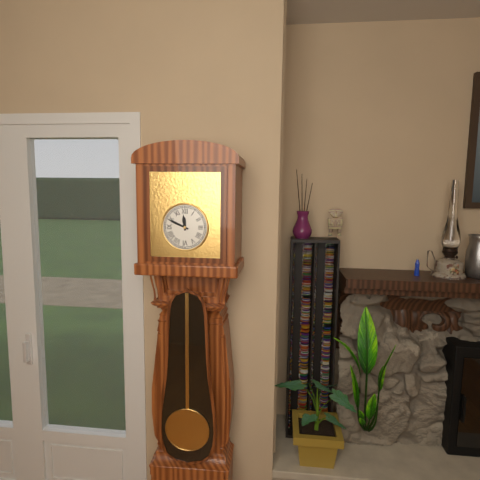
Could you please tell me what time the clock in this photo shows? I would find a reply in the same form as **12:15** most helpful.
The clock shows **11:49**
